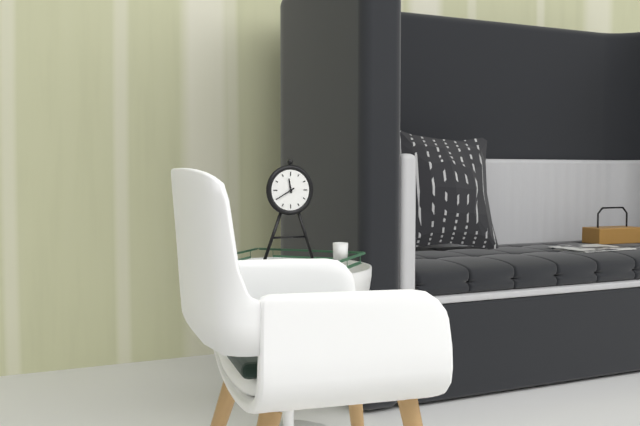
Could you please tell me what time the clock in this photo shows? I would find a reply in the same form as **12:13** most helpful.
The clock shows **11:40**
